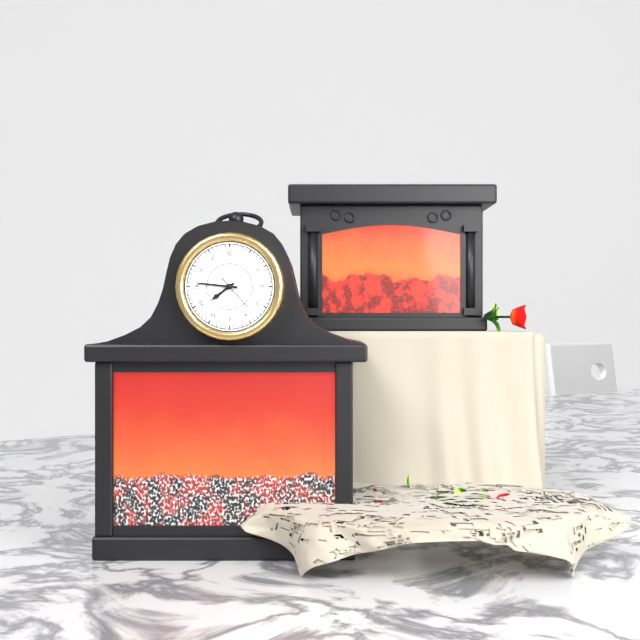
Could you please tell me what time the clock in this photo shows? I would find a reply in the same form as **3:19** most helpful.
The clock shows **7:46**
